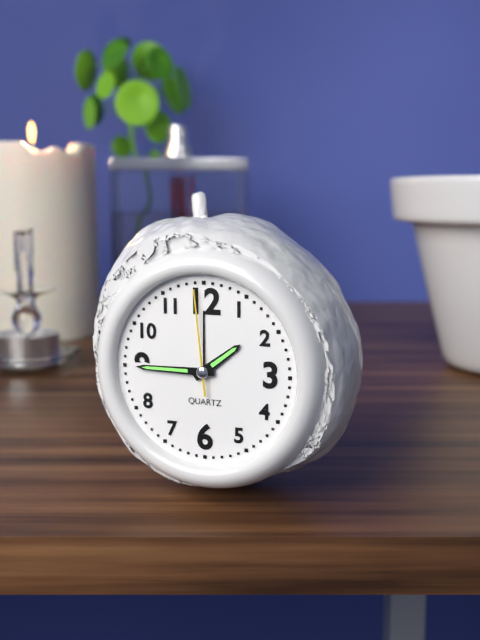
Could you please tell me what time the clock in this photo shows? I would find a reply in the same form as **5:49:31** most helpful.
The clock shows **1:45:59**
